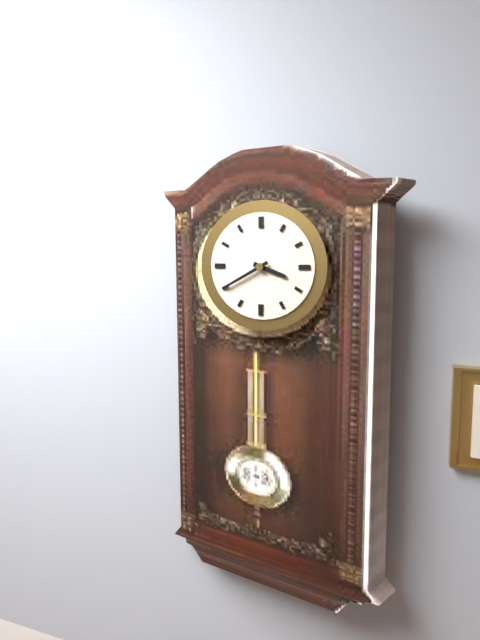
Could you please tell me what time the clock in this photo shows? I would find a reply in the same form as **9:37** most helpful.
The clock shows **3:40**
